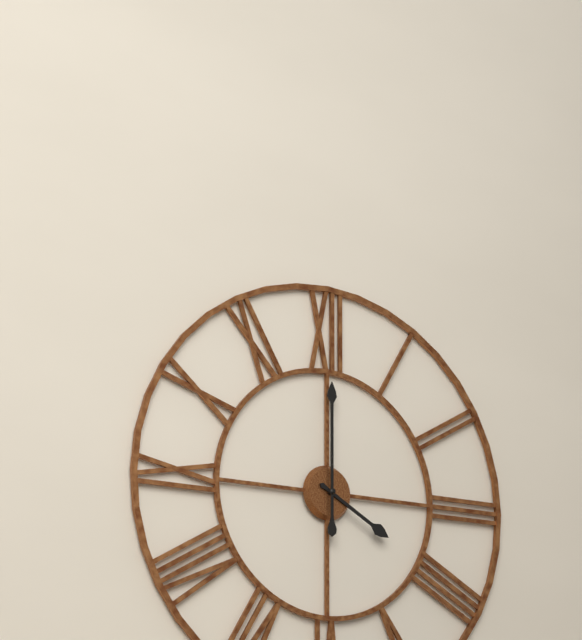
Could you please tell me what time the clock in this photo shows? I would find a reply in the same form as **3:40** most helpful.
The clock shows **4:00**
